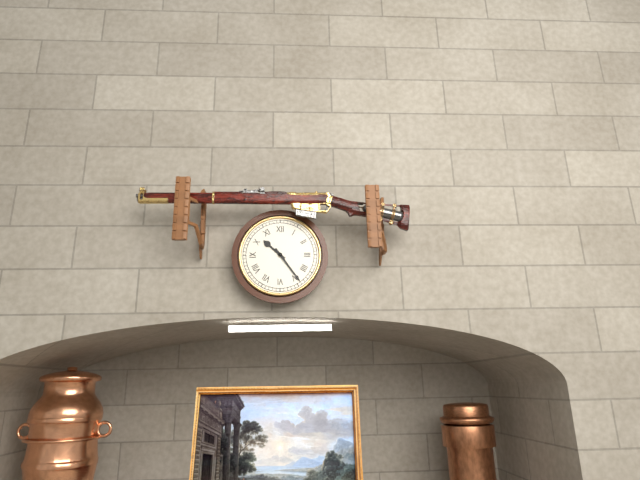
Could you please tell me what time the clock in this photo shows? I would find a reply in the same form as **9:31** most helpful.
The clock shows **10:24**
